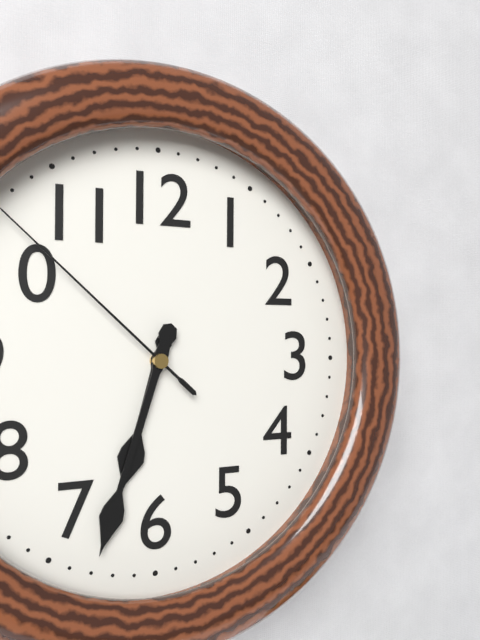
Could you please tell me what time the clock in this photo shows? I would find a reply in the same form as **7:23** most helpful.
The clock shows **6:33**
